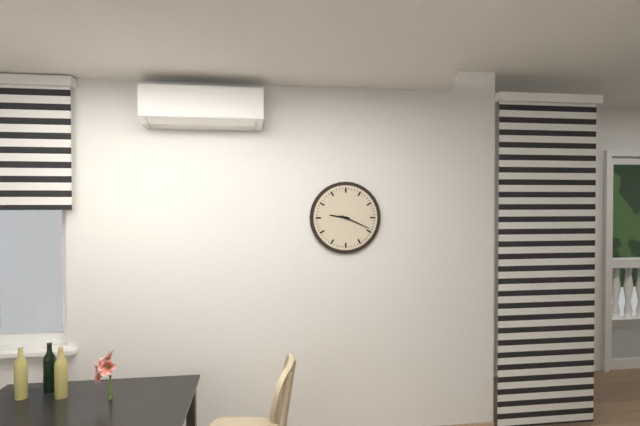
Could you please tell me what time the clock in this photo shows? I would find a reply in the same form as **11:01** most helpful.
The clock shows **9:19**
